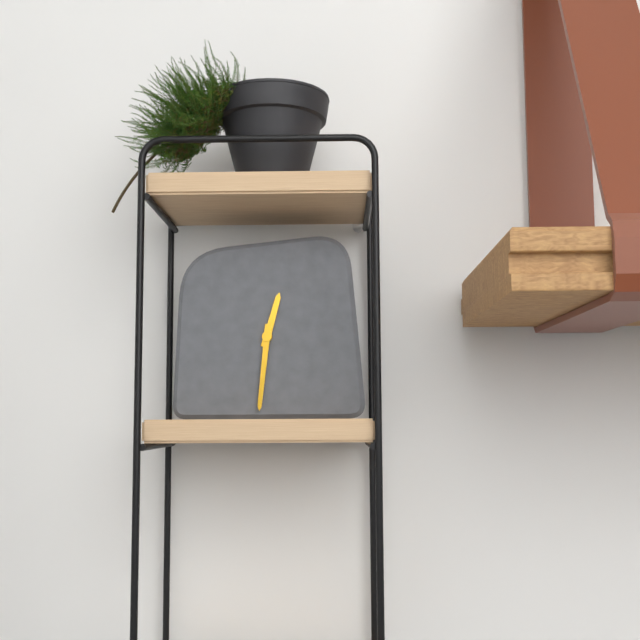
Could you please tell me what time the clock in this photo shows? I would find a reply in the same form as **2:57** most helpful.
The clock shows **12:31**
